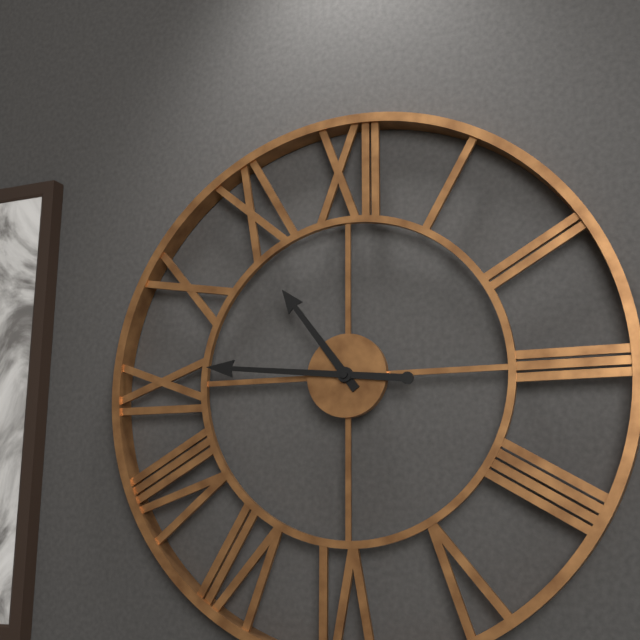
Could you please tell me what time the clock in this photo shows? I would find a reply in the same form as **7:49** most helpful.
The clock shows **10:46**
